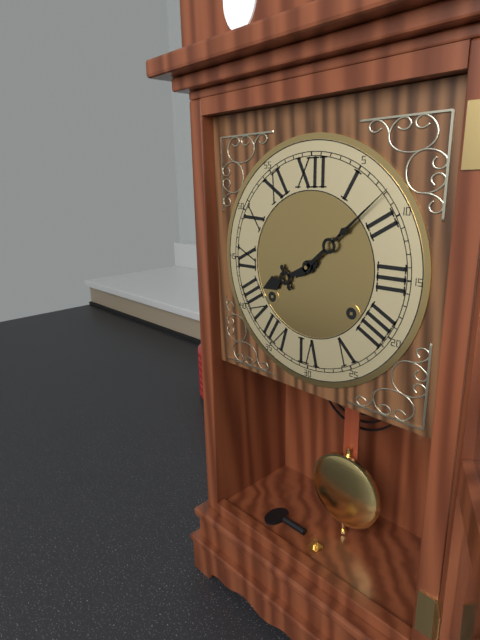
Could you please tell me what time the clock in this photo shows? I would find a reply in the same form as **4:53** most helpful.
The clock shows **8:08**
